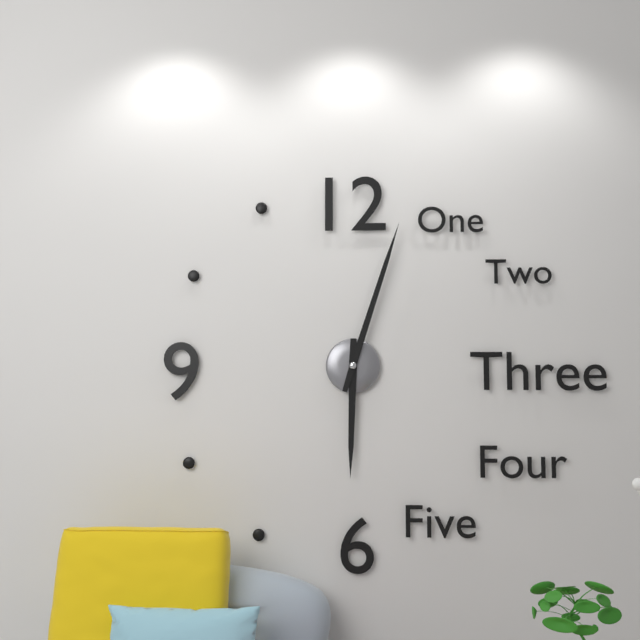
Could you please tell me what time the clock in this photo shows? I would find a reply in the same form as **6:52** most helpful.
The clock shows **6:03**
